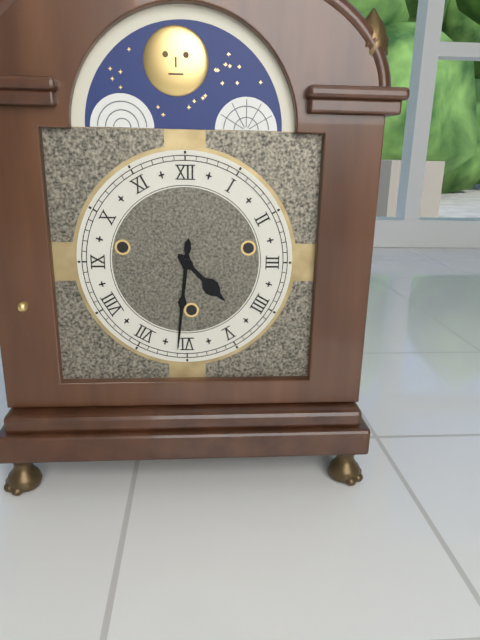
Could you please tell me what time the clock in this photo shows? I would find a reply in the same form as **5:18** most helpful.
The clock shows **4:31**
